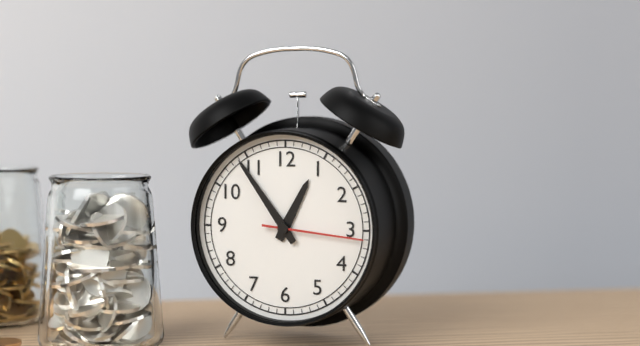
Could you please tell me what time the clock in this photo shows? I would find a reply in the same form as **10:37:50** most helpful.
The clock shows **12:54:16**
